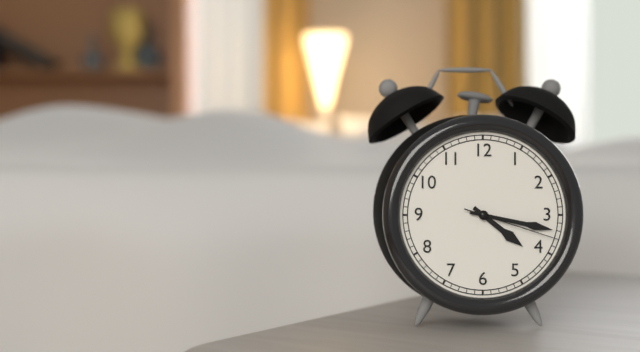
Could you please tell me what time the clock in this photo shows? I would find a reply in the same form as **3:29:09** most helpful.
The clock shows **4:17:18**
